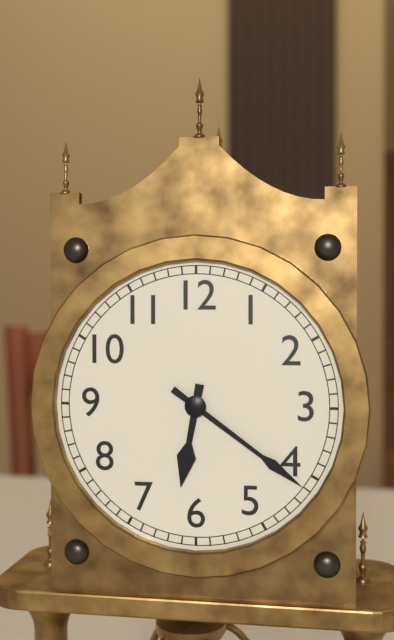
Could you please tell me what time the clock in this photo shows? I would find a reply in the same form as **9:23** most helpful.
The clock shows **6:21**
